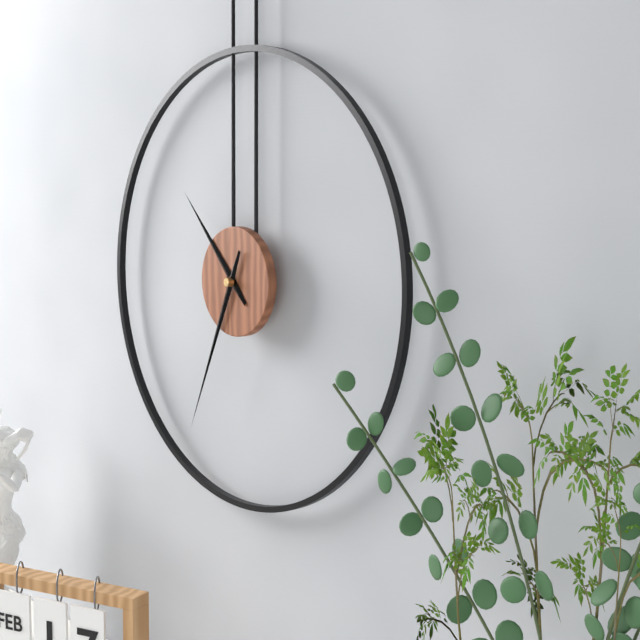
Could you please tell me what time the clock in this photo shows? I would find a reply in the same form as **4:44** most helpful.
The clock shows **10:34**
